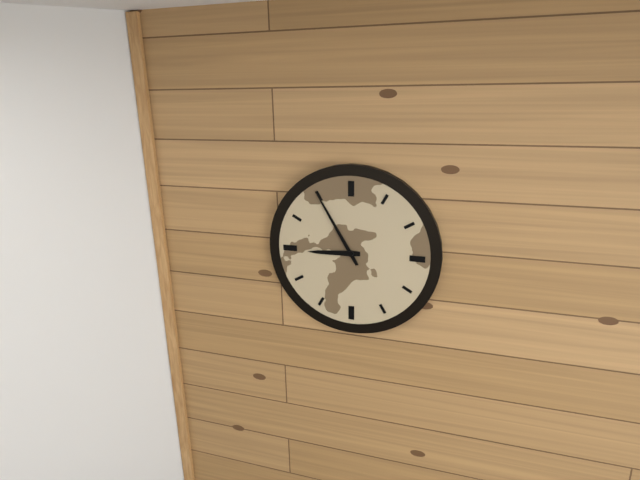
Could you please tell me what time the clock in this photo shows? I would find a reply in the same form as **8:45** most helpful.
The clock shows **8:55**
